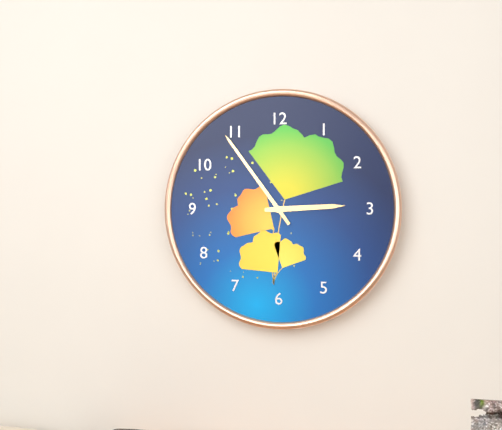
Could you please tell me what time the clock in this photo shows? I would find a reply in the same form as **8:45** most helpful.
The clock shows **2:54**
